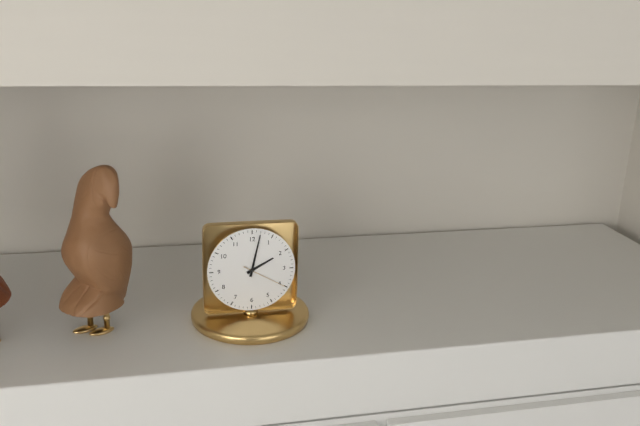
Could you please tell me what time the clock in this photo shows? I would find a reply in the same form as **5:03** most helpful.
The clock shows **2:02**
